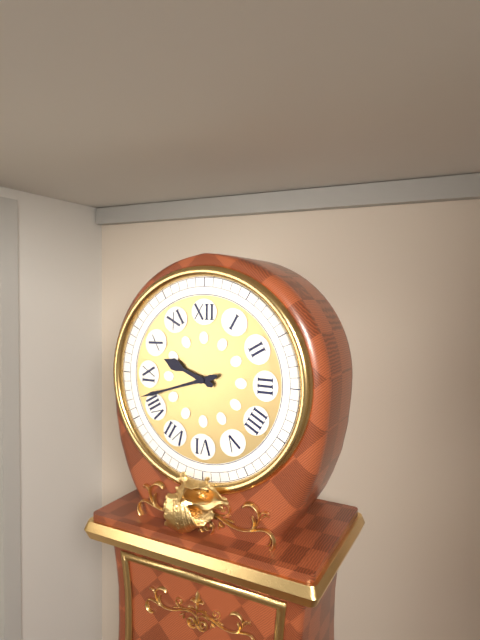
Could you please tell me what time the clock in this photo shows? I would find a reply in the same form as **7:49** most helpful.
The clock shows **9:42**
